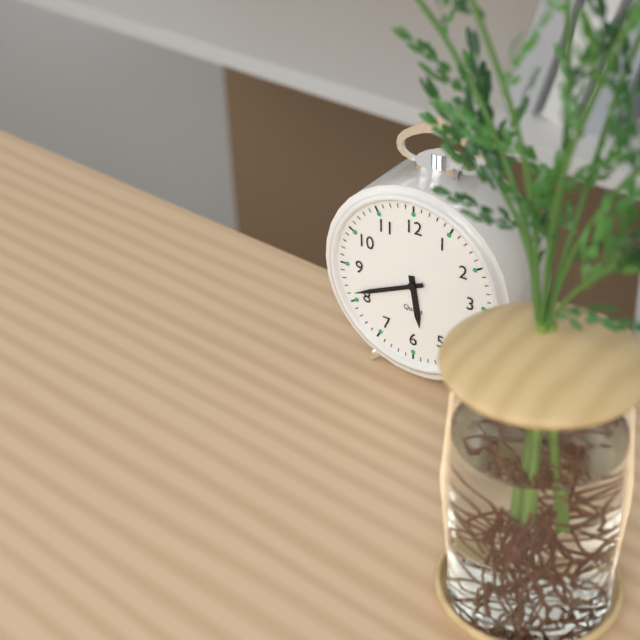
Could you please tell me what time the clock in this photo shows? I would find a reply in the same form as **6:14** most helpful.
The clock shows **5:41**
